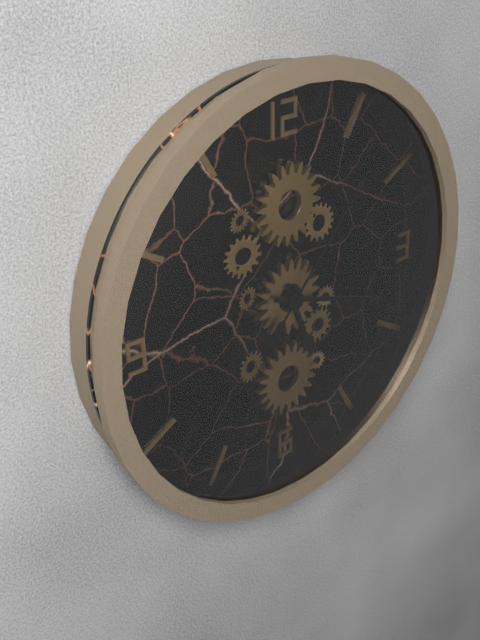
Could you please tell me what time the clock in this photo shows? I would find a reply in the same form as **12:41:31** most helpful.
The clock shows **5:18:07**
